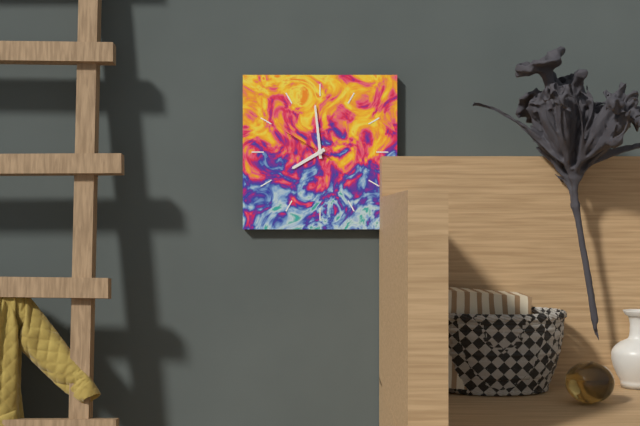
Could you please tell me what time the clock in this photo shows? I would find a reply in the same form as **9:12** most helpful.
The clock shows **7:59**
